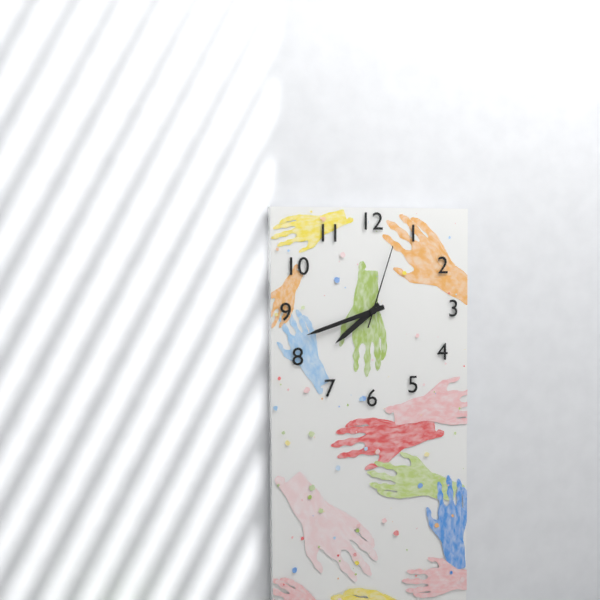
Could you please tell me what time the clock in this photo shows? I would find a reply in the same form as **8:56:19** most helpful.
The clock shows **7:42:03**
